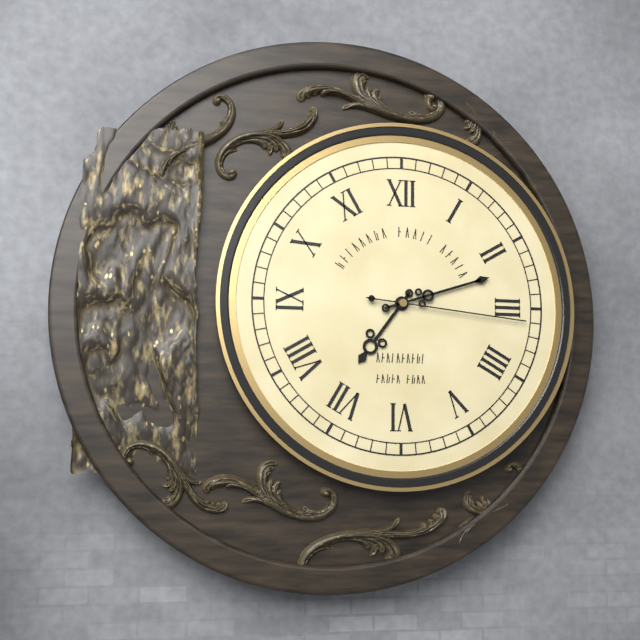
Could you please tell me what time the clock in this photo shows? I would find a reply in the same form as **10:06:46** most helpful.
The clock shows **7:12:16**
